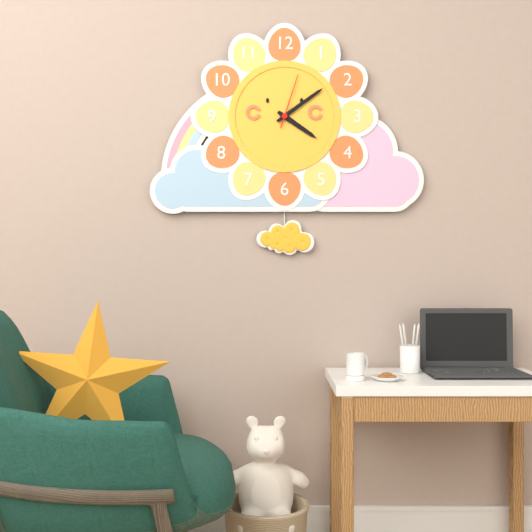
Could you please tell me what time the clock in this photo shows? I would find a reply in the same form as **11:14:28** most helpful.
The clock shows **4:09:03**
